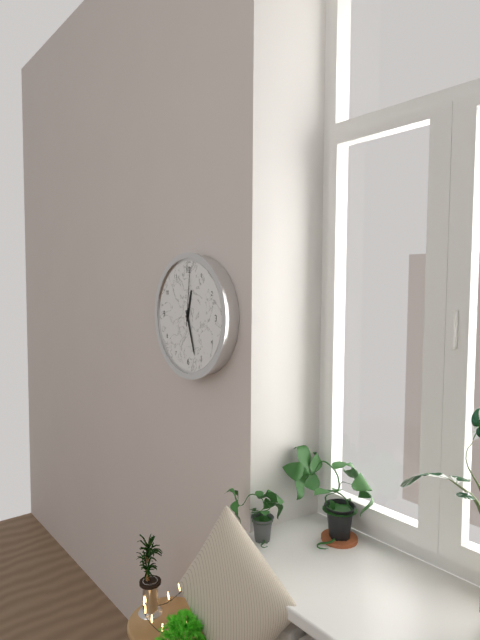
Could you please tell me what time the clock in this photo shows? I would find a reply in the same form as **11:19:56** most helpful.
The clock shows **12:27:01**
